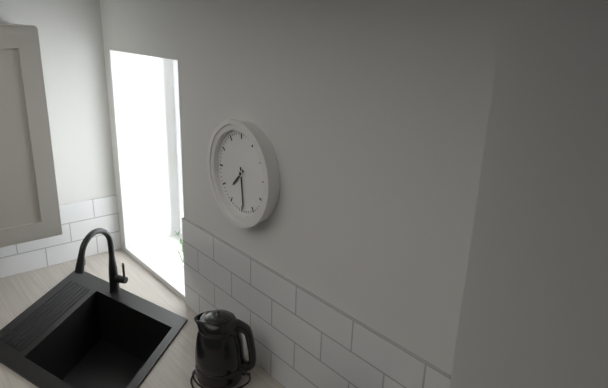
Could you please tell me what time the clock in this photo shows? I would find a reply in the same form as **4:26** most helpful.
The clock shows **7:29**
